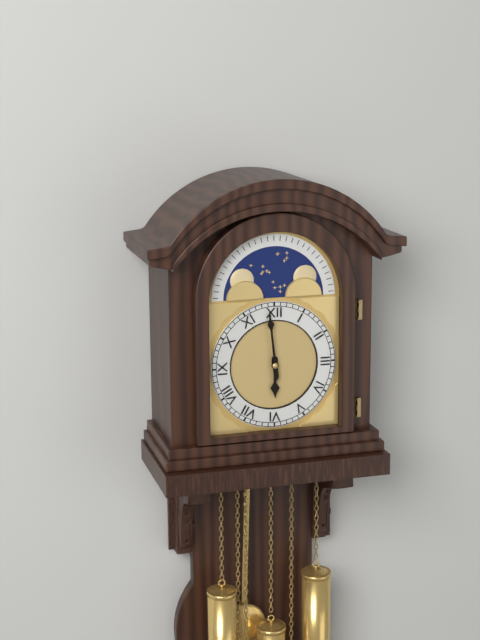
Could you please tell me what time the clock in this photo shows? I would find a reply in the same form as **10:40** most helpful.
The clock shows **5:59**
